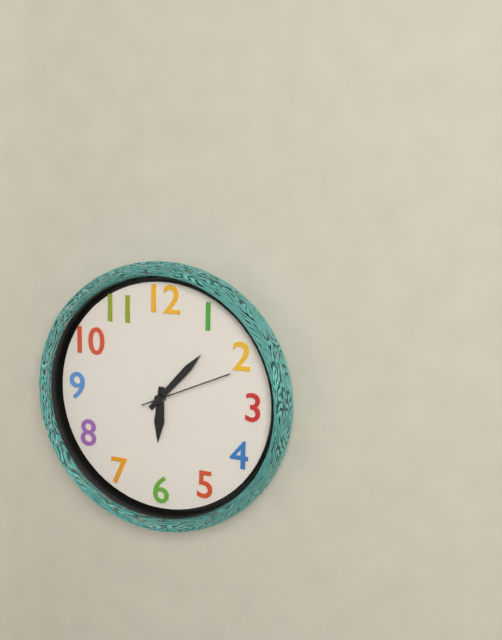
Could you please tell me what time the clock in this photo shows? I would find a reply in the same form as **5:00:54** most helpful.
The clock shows **6:07:11**
